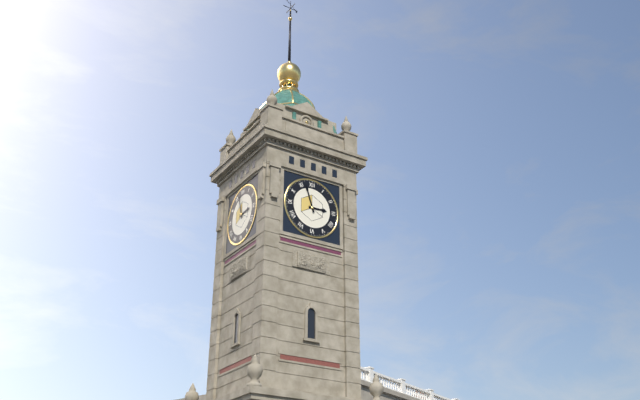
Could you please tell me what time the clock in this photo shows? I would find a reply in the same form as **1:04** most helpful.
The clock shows **2:57**
